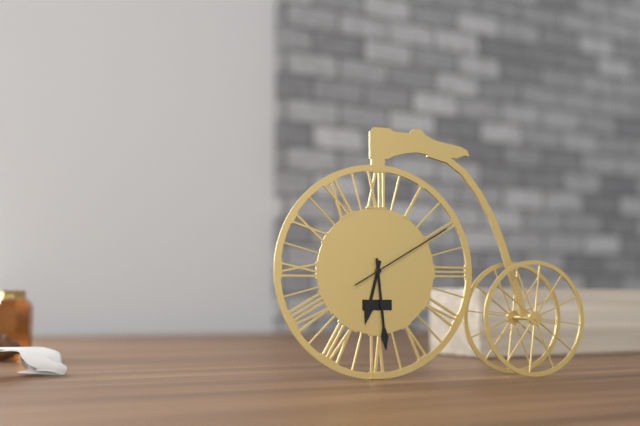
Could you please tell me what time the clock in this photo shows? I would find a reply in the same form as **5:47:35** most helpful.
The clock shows **6:29:10**
